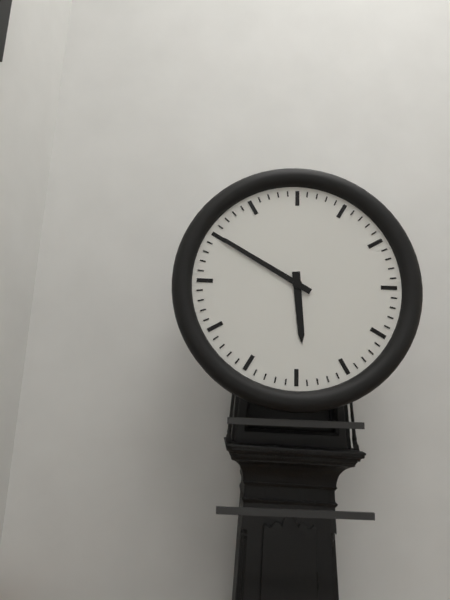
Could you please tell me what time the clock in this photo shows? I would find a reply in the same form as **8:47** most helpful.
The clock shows **5:50**
